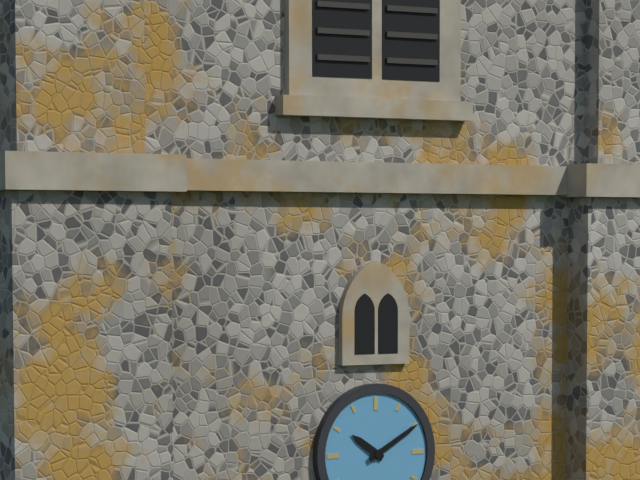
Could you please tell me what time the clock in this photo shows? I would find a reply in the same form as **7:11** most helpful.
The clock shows **10:10**
